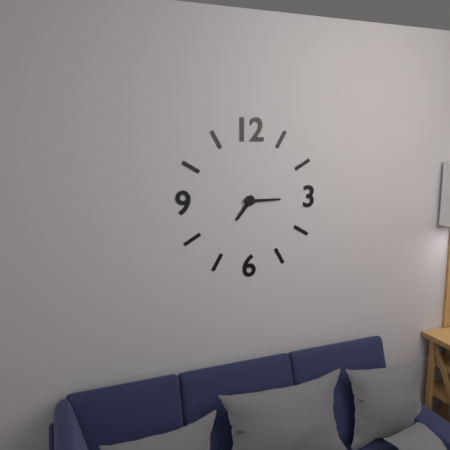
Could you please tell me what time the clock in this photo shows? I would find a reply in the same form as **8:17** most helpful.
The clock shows **7:15**
